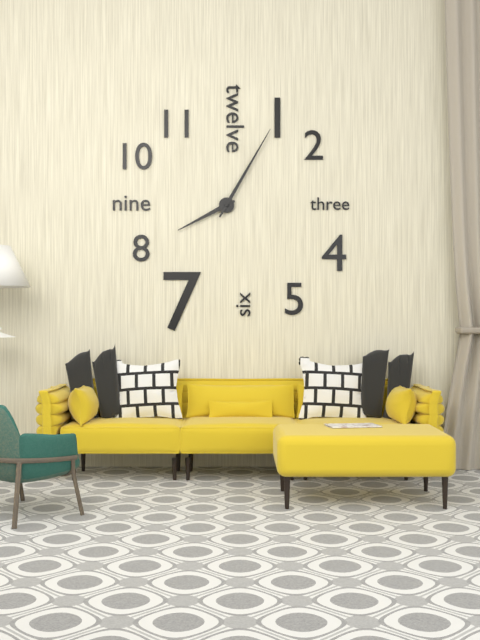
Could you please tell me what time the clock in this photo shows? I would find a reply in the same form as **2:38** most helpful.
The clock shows **8:05**
